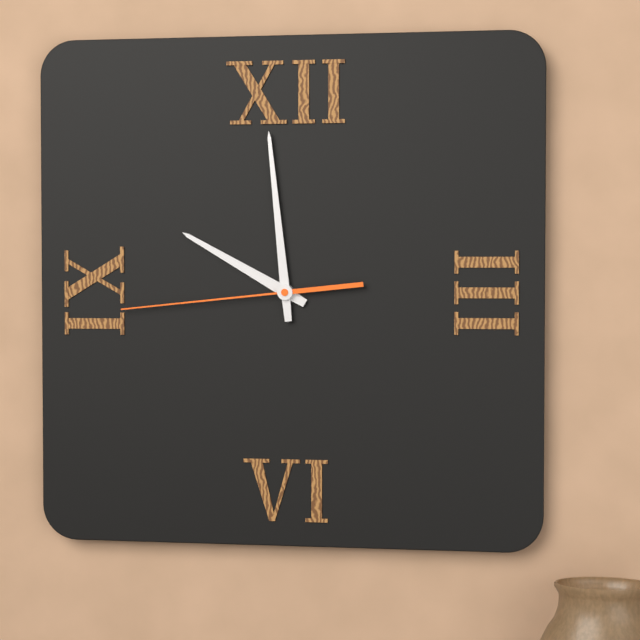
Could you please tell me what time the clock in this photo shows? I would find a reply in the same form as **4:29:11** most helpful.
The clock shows **9:59:44**
